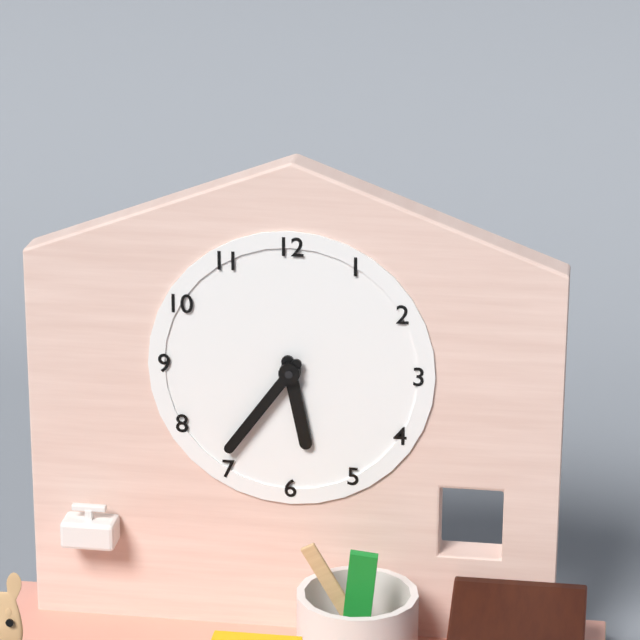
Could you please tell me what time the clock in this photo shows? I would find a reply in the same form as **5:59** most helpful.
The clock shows **5:36**
